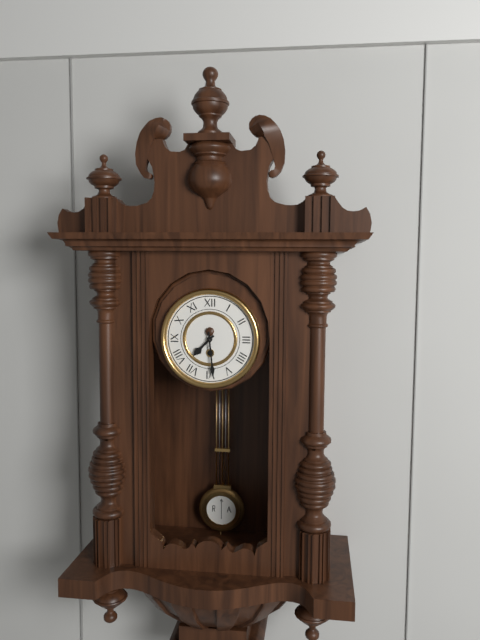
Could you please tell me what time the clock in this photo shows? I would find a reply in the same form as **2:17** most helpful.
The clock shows **7:29**
